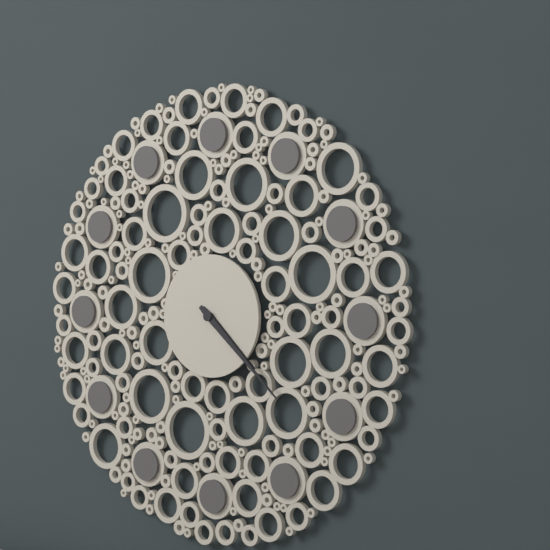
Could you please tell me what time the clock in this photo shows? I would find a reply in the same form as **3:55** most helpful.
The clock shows **4:22**
